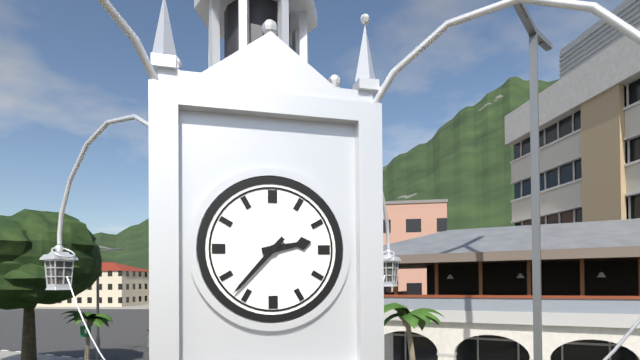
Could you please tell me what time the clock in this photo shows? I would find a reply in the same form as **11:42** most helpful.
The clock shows **2:37**
